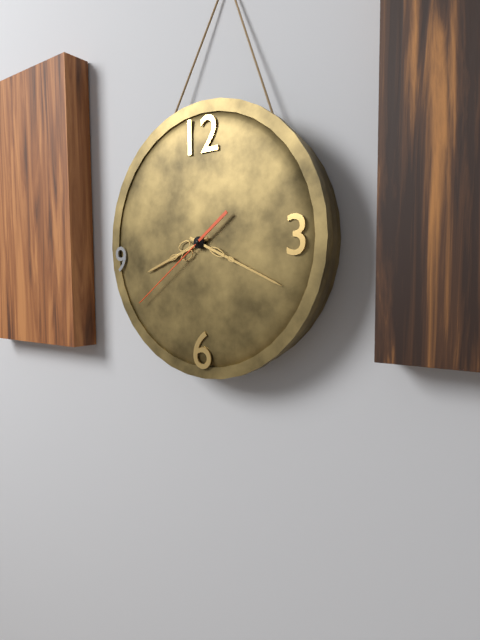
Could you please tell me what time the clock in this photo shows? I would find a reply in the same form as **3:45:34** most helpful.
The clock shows **8:19:39**
